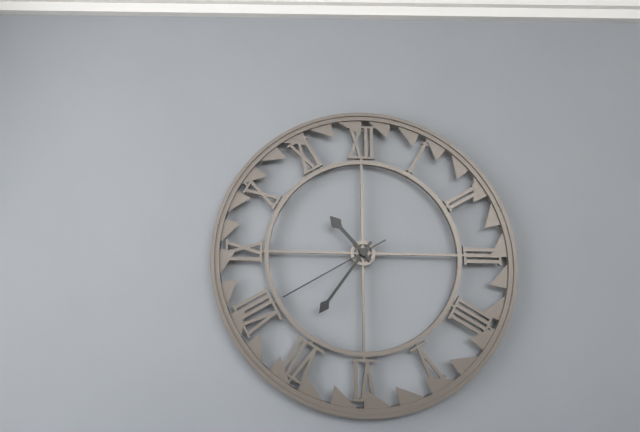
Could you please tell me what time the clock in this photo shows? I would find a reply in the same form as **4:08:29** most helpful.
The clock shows **10:36:40**
